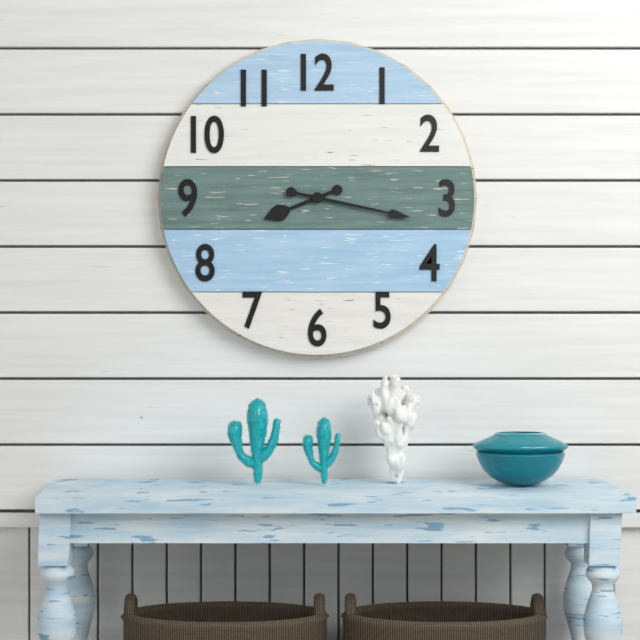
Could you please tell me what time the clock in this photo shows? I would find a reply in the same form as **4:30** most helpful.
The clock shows **8:17**
